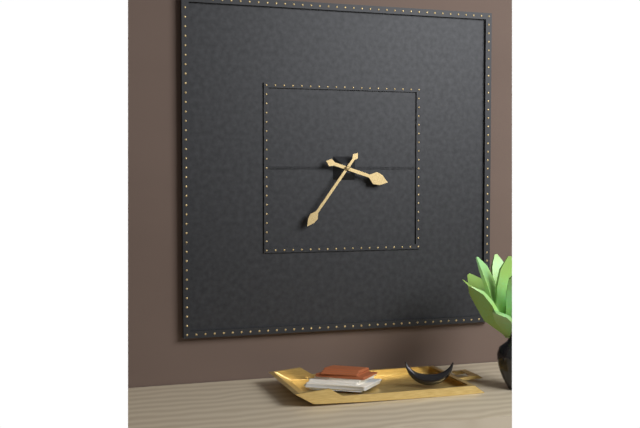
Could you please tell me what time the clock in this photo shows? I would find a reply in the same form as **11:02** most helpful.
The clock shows **3:36**
